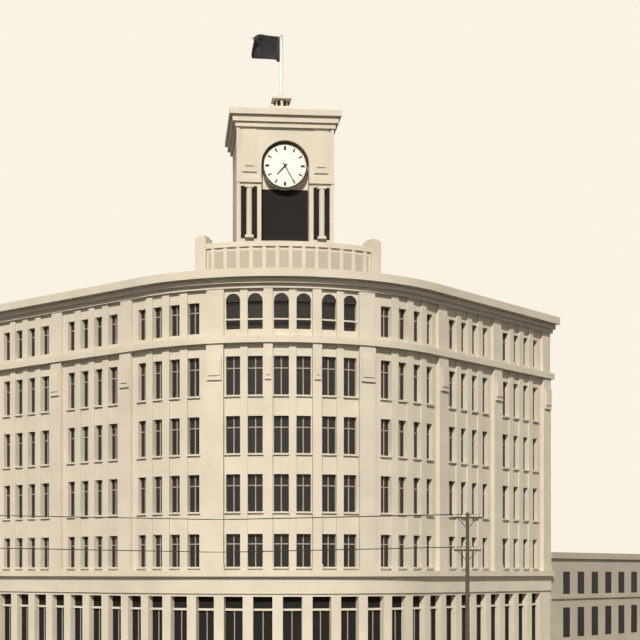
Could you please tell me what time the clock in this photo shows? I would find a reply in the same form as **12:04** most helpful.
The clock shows **7:25**
